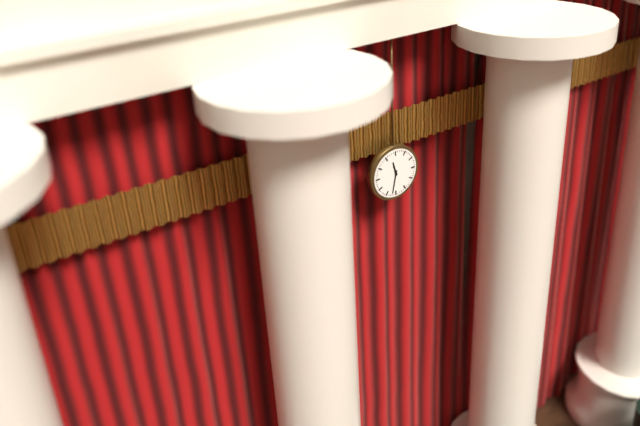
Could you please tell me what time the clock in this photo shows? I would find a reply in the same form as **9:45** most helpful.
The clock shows **11:32**
